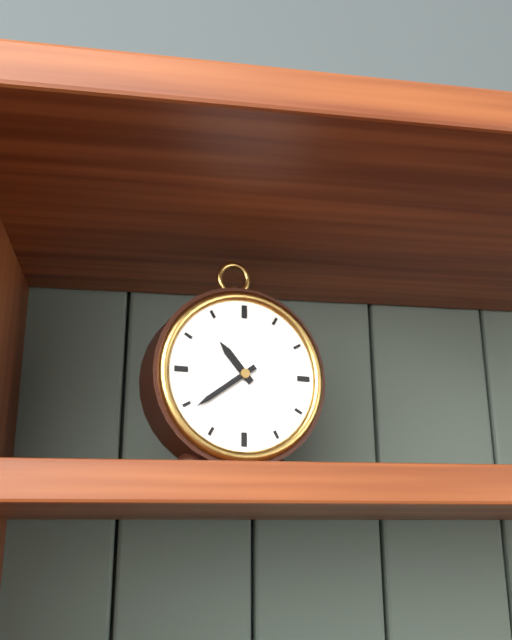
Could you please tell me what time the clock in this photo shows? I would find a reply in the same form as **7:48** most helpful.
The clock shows **10:39**
